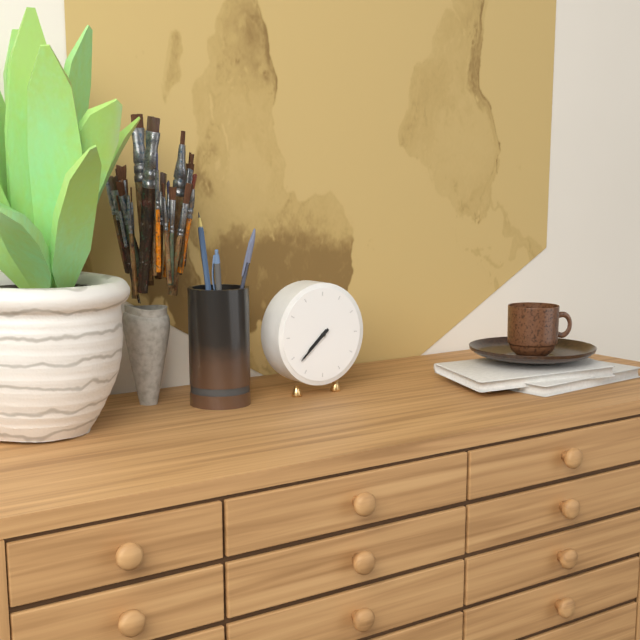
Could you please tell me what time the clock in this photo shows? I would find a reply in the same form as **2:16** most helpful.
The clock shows **7:38**
